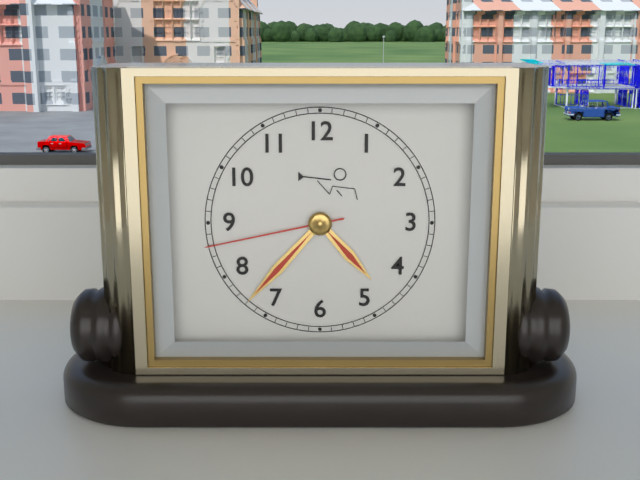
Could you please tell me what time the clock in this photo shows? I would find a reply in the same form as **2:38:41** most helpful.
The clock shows **4:37:43**
